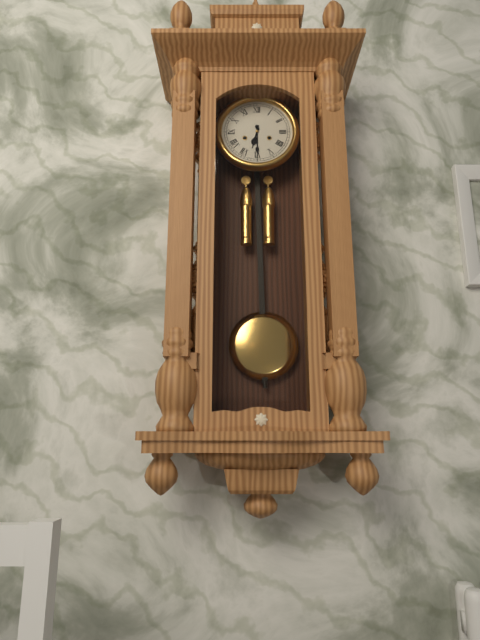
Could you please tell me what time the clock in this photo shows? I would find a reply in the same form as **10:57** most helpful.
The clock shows **6:30**
